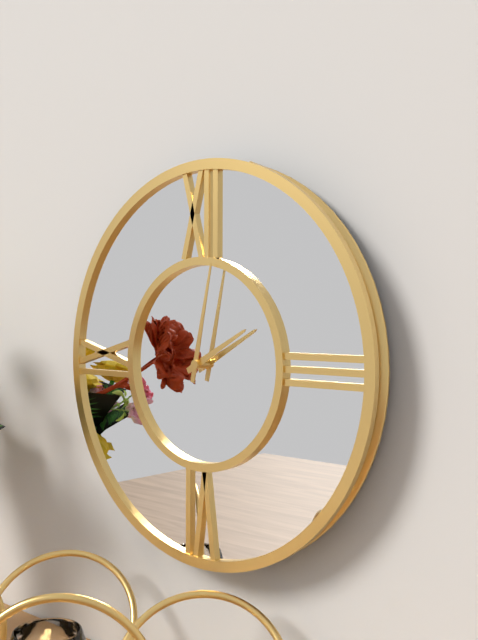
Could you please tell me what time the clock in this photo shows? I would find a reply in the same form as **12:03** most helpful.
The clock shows **2:02**
